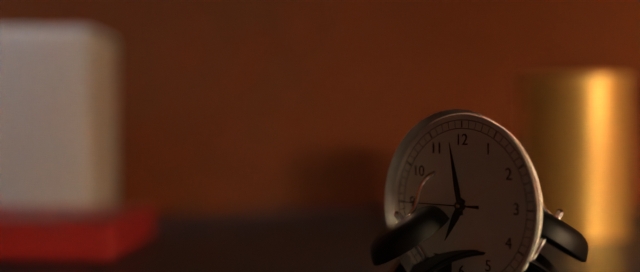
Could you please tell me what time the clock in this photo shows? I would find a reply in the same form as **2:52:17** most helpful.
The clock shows **6:58:45**
